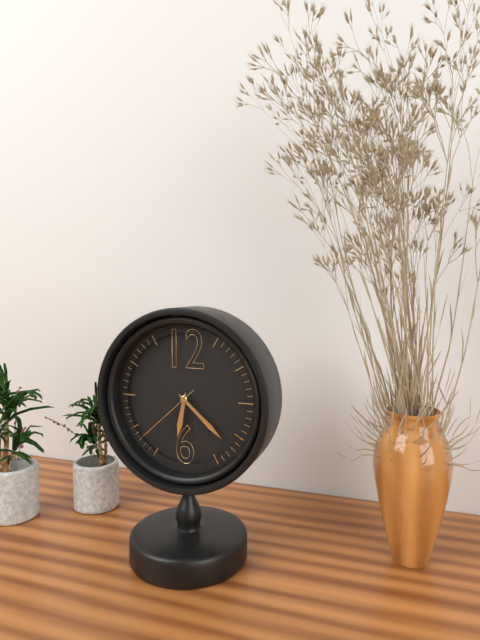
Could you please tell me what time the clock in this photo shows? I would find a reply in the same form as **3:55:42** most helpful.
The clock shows **6:22:38**
